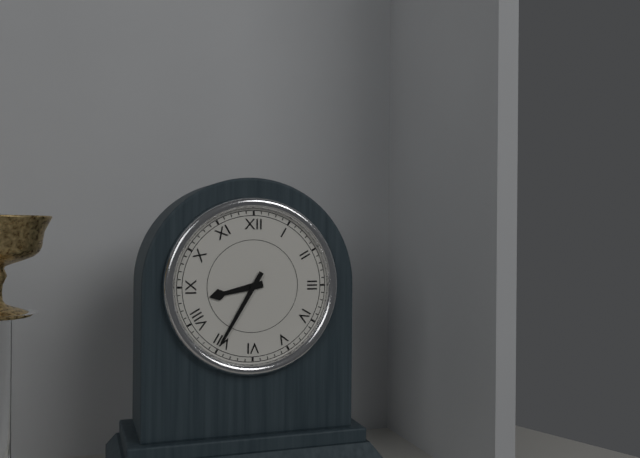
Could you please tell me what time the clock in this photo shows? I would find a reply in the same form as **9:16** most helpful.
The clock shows **8:35**
